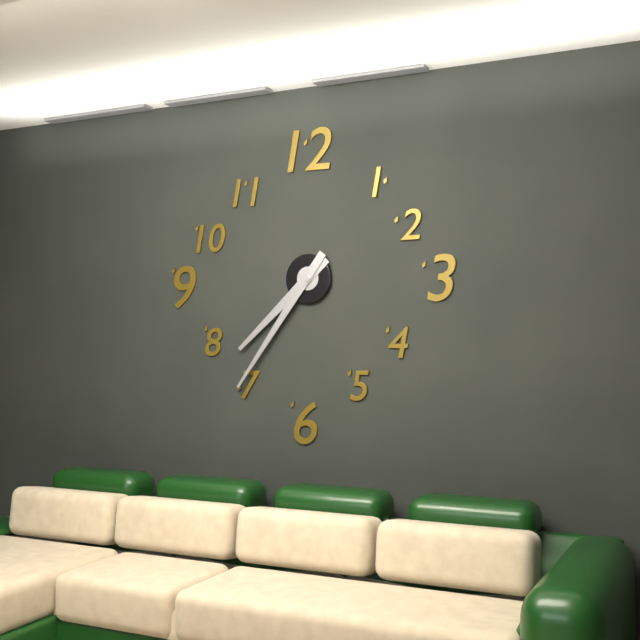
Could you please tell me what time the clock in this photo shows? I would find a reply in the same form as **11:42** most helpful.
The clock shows **7:36**
